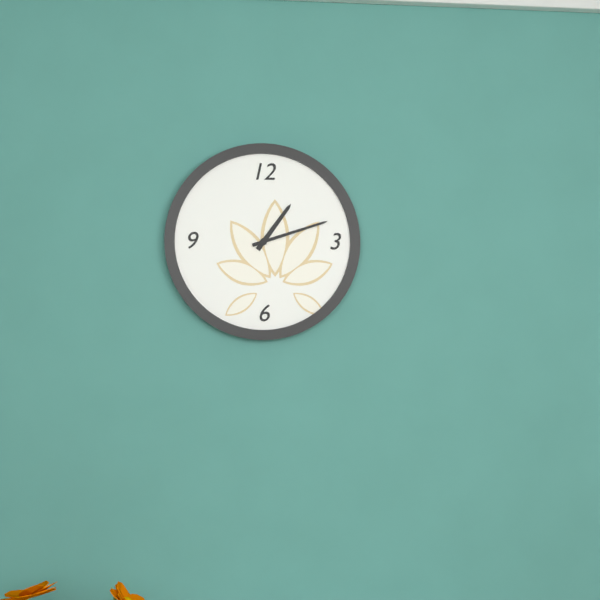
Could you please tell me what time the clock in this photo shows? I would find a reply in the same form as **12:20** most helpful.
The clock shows **1:12**
